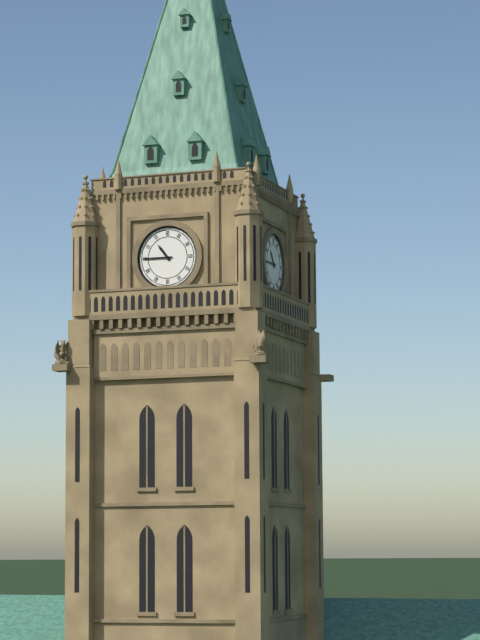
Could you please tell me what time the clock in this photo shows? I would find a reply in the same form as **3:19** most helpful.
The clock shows **10:45**
